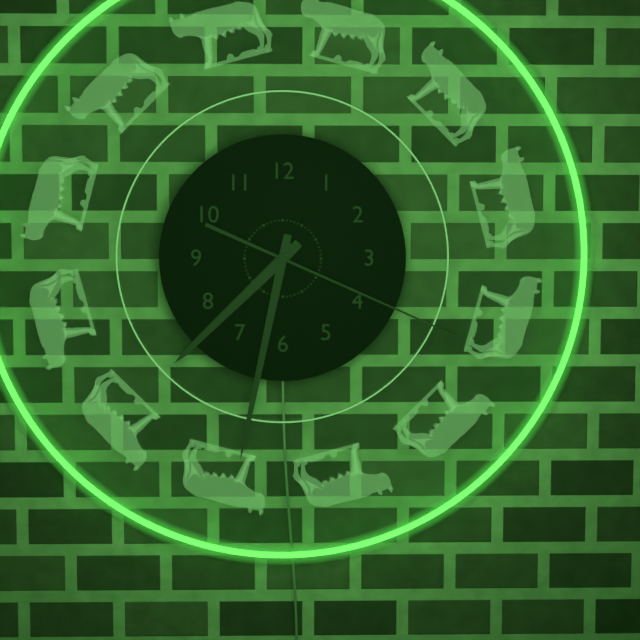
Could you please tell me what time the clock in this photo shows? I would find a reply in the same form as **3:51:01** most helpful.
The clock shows **7:32:19**
